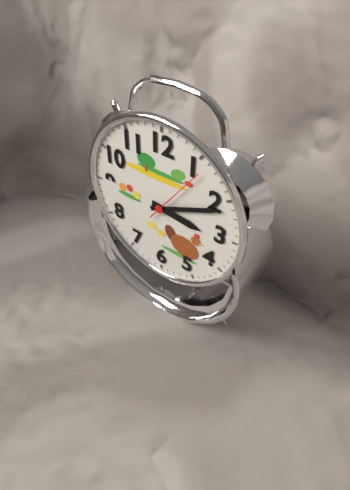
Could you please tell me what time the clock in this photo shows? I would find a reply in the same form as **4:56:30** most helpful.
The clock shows **3:11:06**
